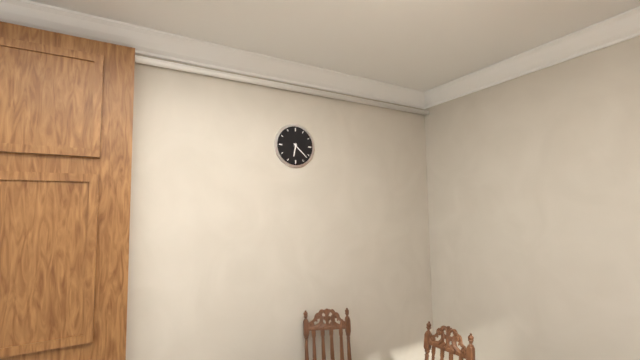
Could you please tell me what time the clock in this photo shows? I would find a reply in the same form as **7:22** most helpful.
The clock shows **6:22**
